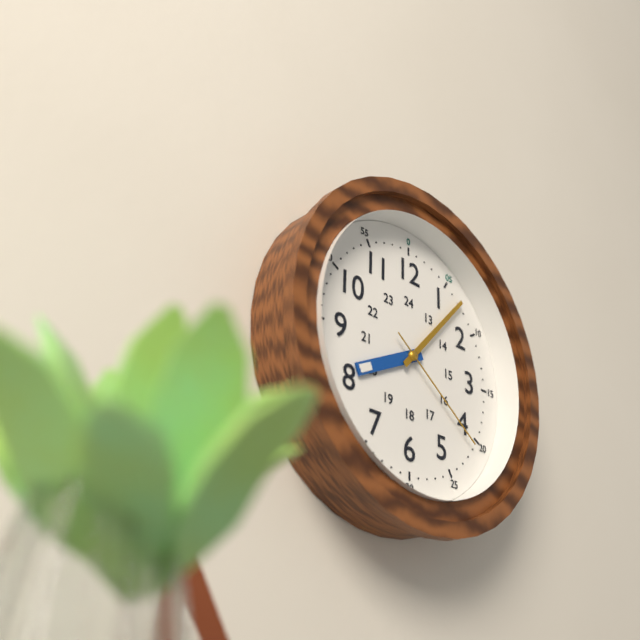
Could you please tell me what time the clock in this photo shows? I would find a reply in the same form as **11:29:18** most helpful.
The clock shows **8:07:21**
